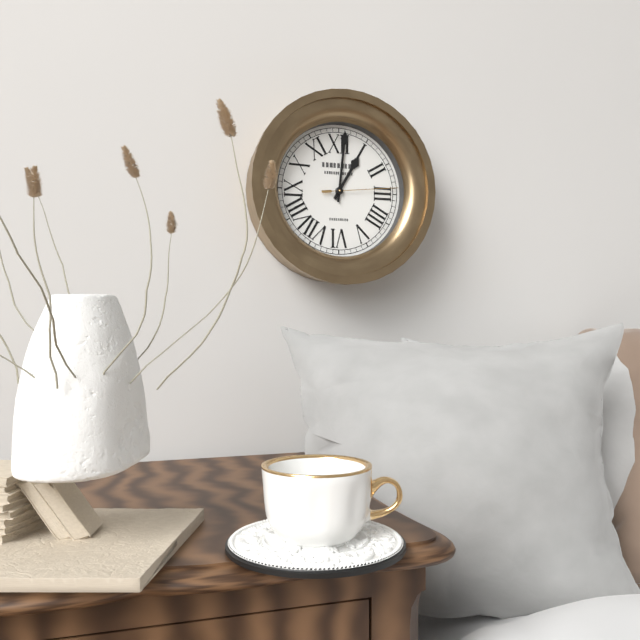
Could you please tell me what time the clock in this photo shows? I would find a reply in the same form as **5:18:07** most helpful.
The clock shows **1:01:14**
